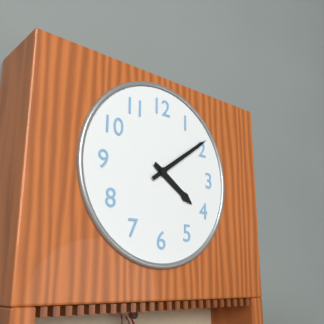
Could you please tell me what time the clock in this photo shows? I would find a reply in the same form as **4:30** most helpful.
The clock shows **4:09**
